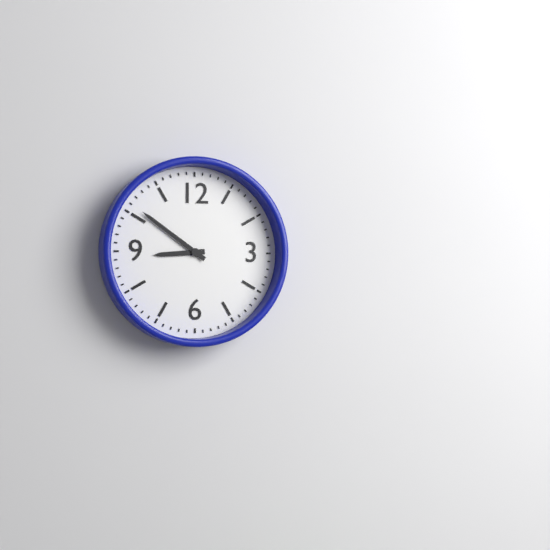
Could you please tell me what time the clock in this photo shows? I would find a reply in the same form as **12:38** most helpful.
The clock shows **8:51**
